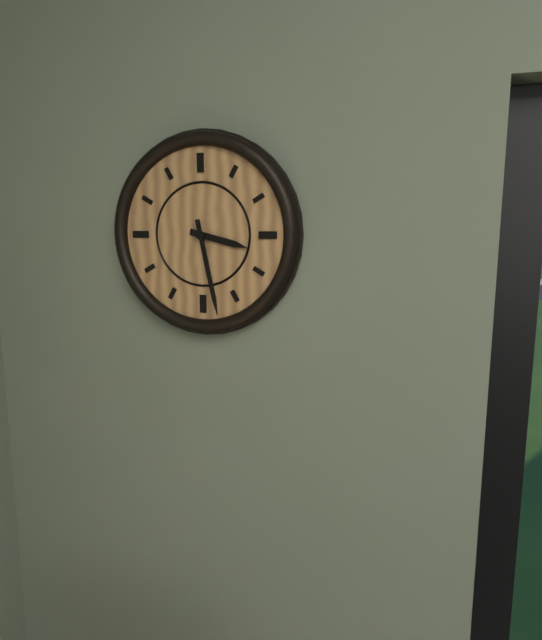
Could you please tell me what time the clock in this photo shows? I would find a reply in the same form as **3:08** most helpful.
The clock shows **3:28**
